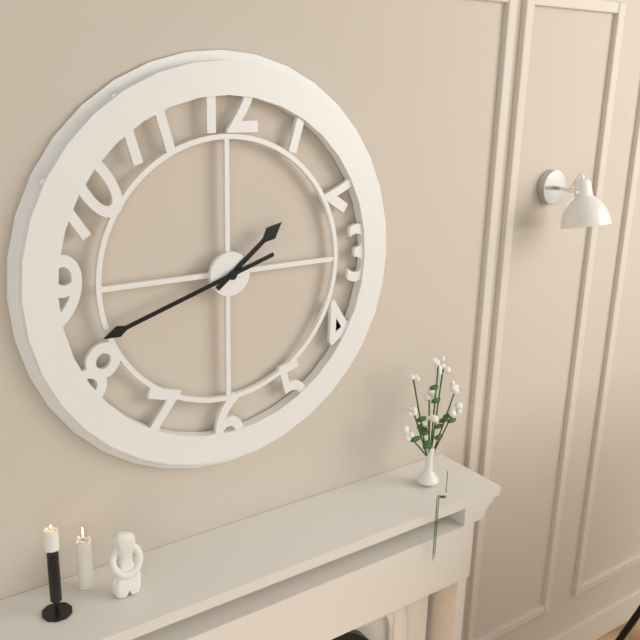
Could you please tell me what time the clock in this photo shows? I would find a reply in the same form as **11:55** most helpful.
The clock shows **1:42**
